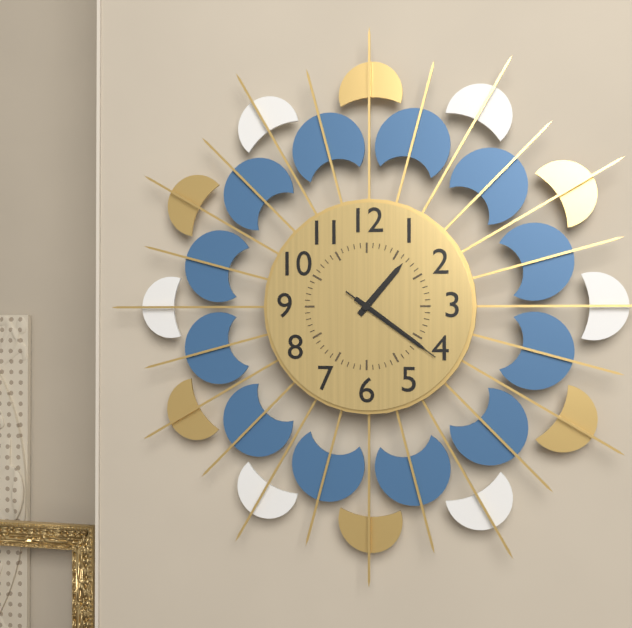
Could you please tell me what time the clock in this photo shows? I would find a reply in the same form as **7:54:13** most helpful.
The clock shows **1:21:21**
